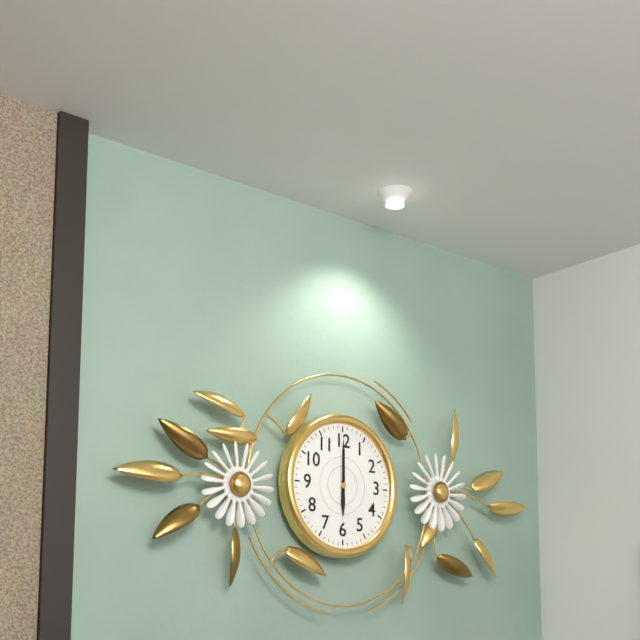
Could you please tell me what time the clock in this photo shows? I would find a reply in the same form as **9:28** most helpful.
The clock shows **6:00**
